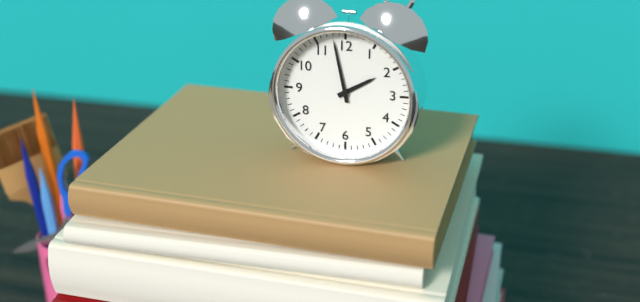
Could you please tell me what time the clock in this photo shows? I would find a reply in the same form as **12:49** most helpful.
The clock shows **1:58**
